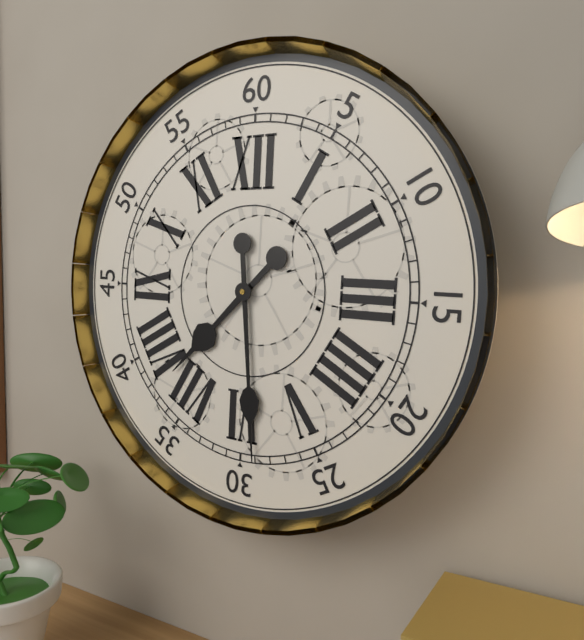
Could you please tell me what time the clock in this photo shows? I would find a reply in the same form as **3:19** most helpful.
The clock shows **7:29**
